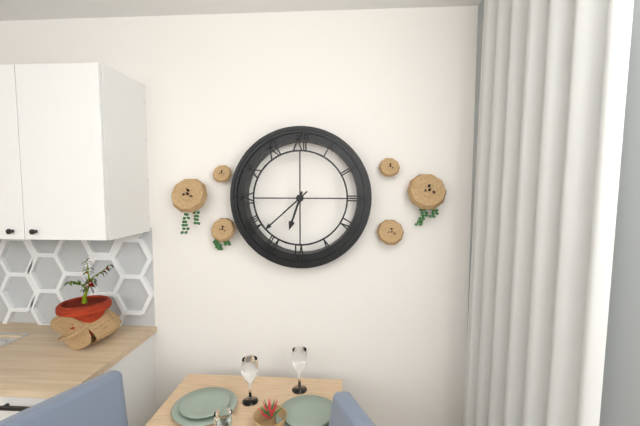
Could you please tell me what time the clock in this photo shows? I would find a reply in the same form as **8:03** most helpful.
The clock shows **6:38**
